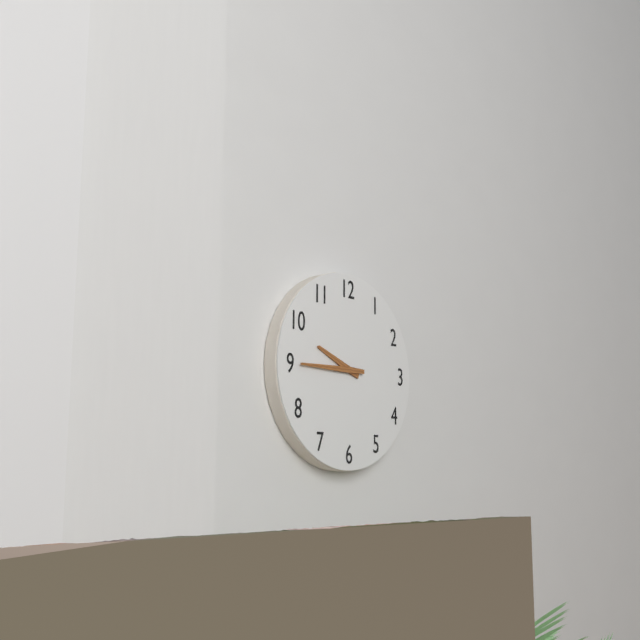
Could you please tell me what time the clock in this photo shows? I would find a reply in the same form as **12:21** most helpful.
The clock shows **9:45**
